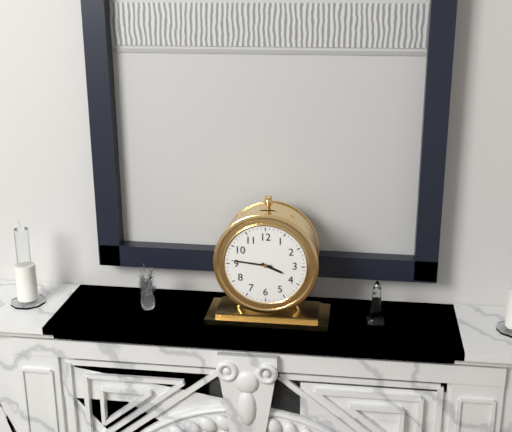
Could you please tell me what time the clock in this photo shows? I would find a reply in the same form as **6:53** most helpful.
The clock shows **3:46**
